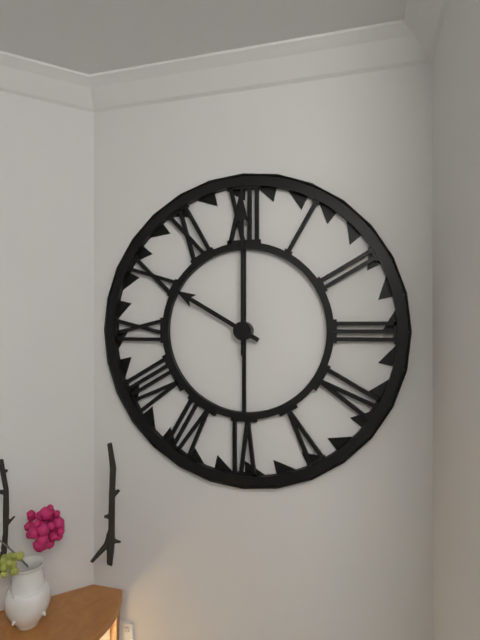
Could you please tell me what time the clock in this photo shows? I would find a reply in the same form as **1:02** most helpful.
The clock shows **10:00**
